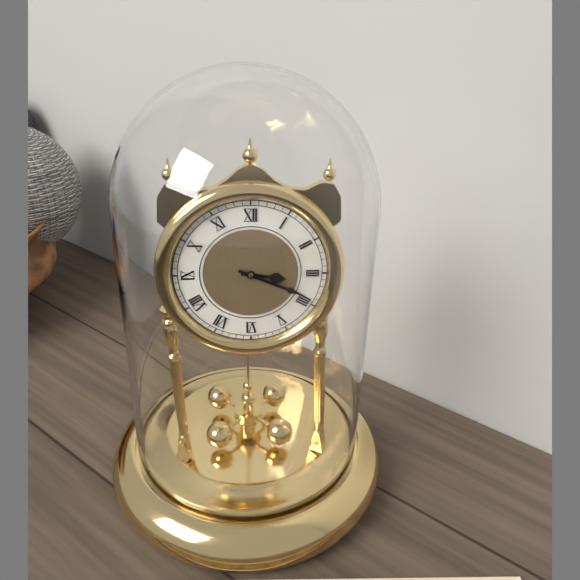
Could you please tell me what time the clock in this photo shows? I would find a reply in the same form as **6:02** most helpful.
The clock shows **3:19**
